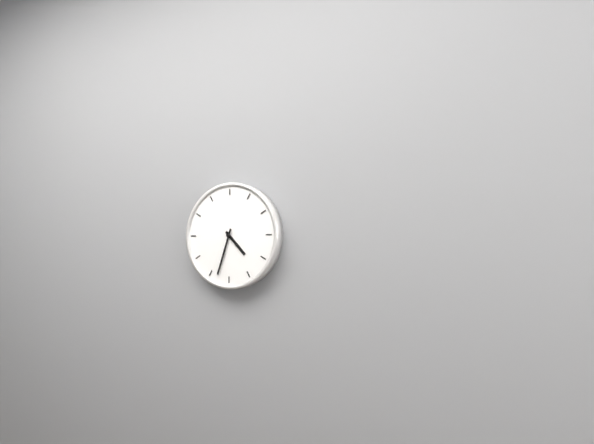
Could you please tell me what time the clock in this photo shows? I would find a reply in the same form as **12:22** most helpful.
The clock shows **4:33**
